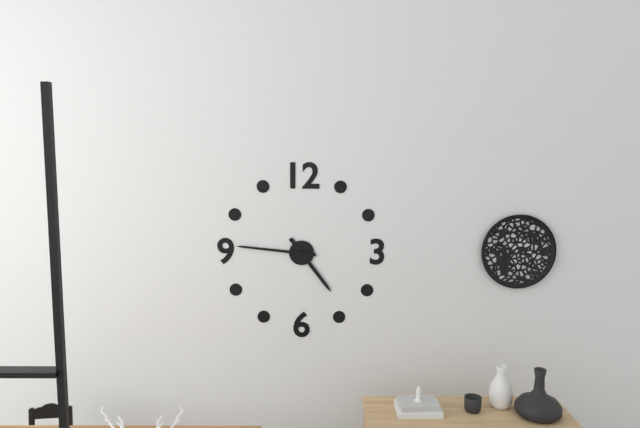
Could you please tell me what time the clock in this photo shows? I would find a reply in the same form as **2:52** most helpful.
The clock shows **4:46**
